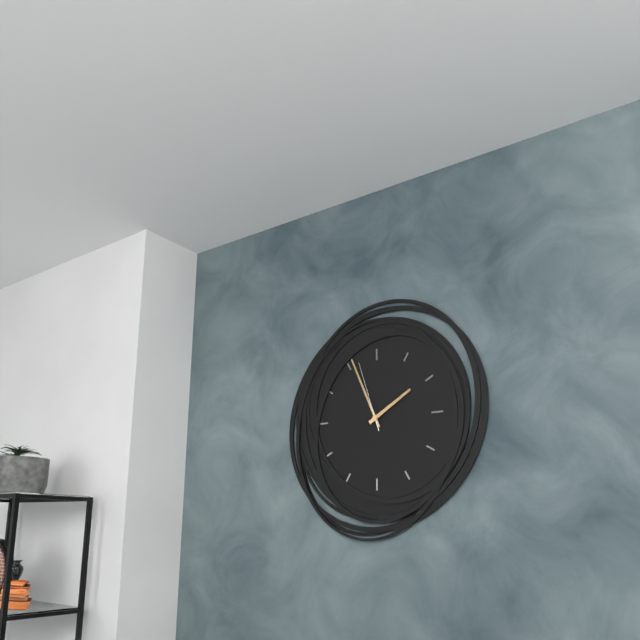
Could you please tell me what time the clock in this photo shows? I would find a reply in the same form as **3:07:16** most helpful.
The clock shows **1:56:57**
